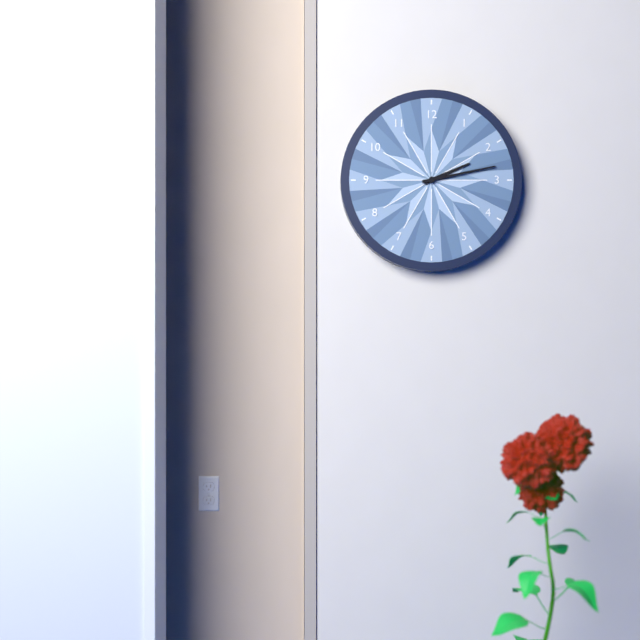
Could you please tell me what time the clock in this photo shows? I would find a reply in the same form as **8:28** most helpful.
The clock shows **2:13**
